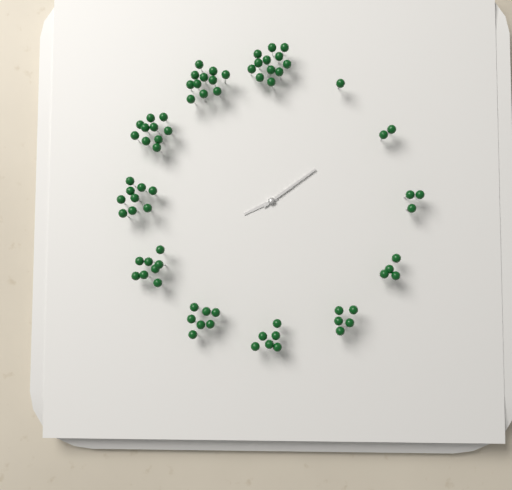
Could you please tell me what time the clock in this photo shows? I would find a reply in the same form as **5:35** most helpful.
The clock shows **8:09**
